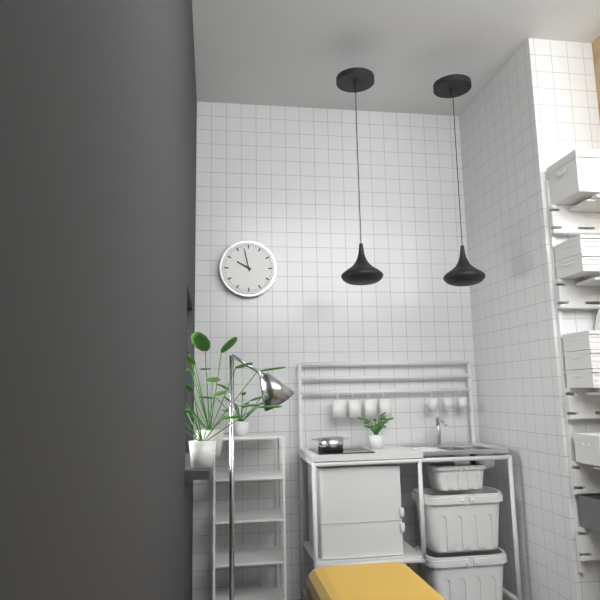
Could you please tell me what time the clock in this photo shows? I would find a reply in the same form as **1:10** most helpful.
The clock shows **9:58**
